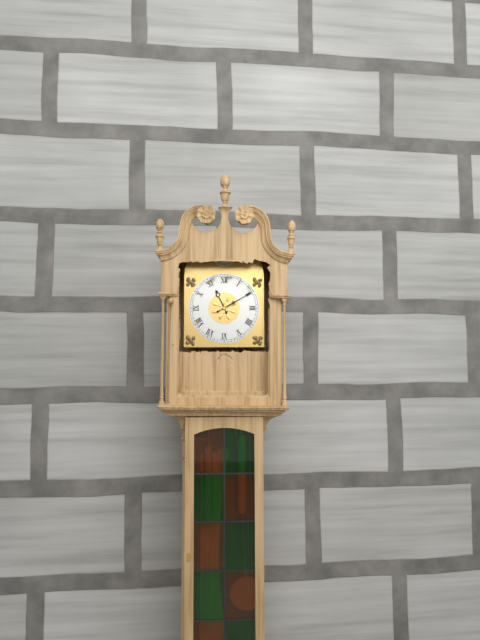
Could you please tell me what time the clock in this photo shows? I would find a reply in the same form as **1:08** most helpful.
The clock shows **11:10**
